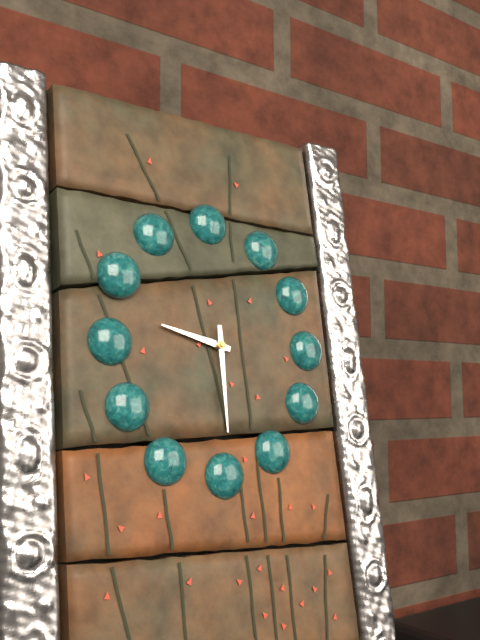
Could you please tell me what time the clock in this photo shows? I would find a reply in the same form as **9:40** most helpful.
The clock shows **9:30**
